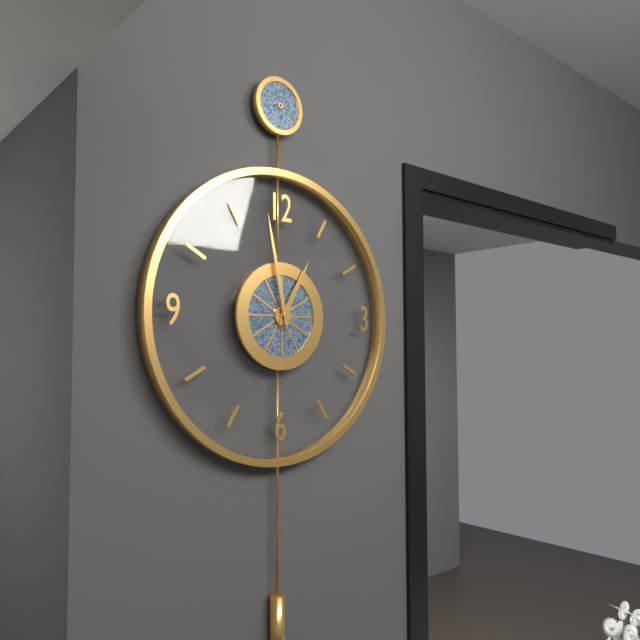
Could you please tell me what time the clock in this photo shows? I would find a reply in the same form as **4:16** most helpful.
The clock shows **12:58**
